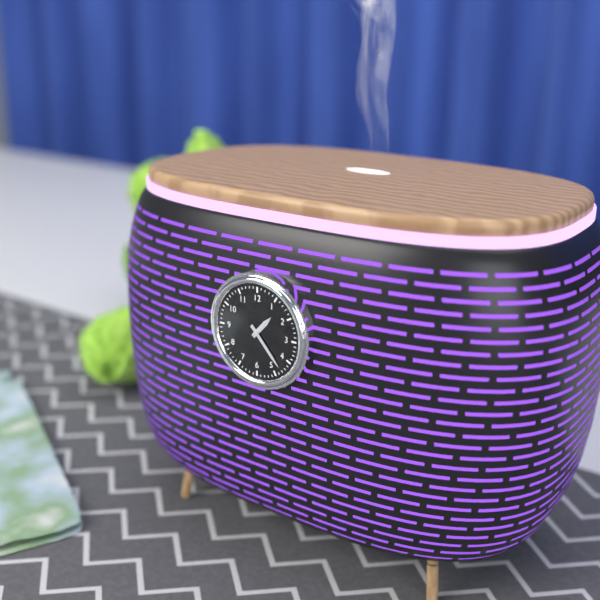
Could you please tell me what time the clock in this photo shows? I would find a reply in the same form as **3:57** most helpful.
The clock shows **1:23**
